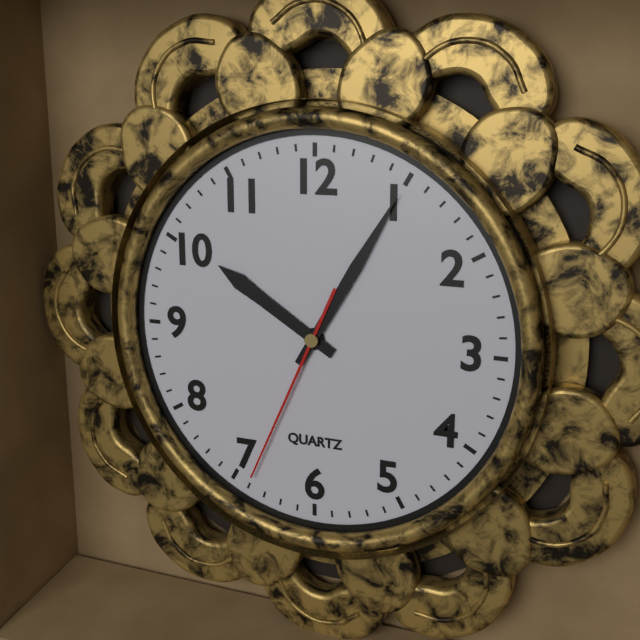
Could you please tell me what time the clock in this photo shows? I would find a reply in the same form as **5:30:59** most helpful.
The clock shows **10:05:34**
